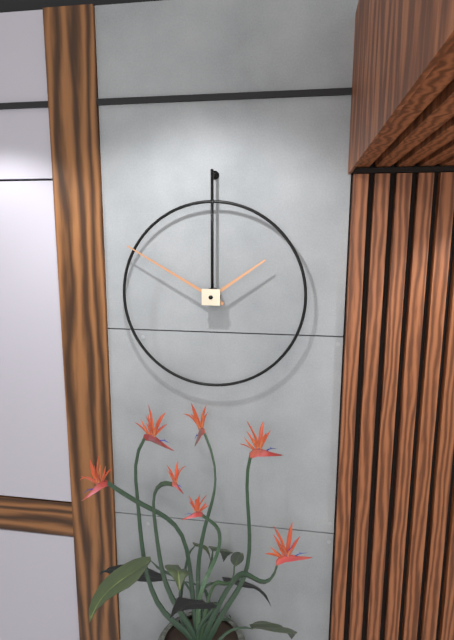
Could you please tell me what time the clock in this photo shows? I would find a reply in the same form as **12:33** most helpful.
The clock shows **1:50**
